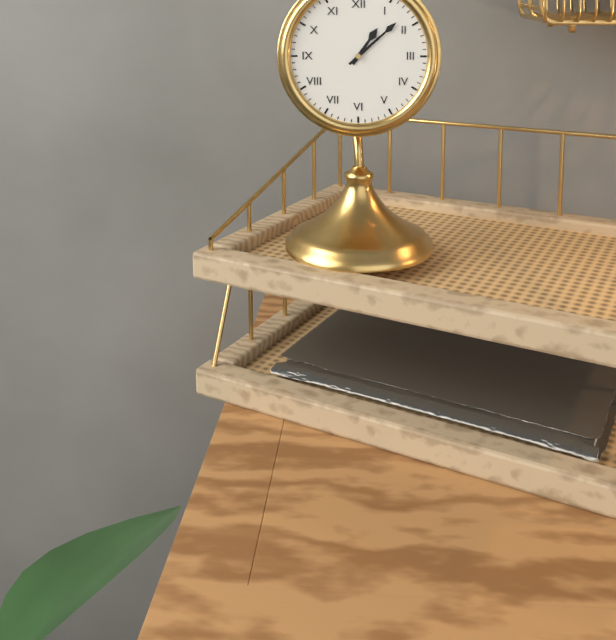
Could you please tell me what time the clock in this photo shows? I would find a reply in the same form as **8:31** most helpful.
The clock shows **1:08**
